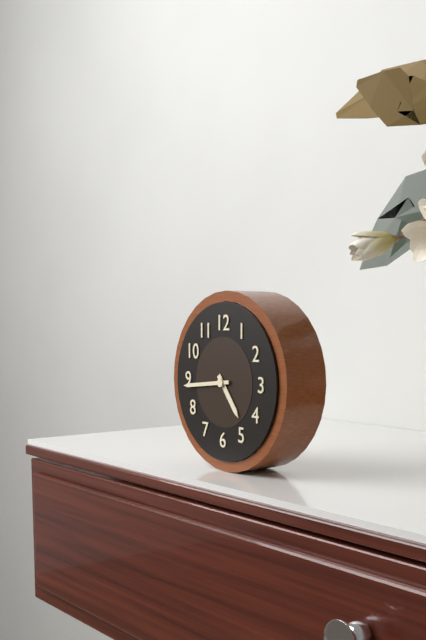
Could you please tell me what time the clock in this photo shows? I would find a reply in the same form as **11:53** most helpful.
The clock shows **4:44**
